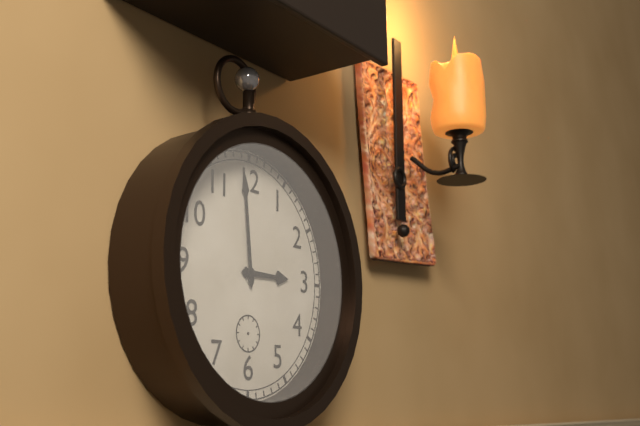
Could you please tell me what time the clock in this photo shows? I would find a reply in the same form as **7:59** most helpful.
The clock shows **2:59**
